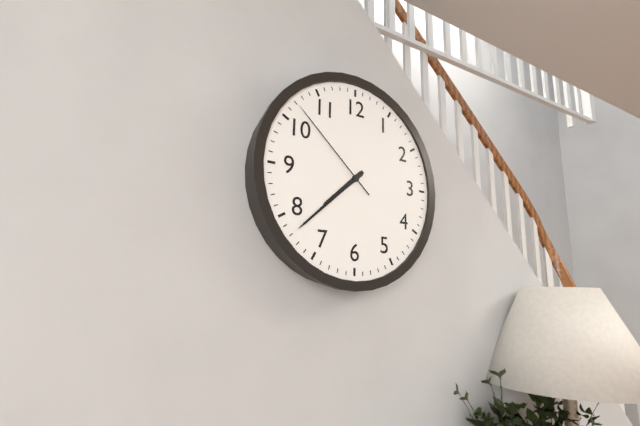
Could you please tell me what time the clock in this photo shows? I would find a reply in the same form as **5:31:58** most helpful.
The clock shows **7:38:52**
